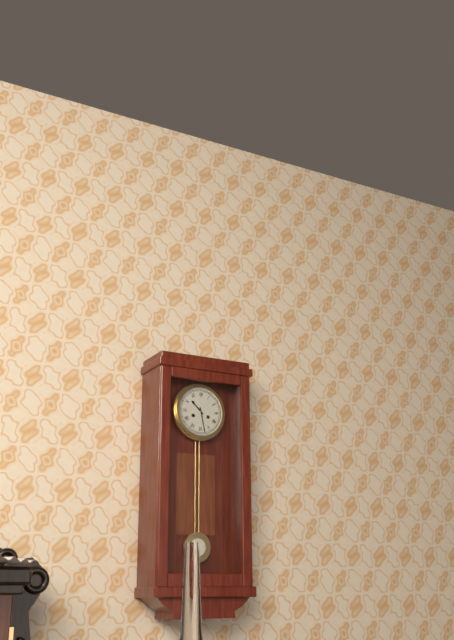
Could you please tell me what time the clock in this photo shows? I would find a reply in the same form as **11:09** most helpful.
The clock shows **10:28**
